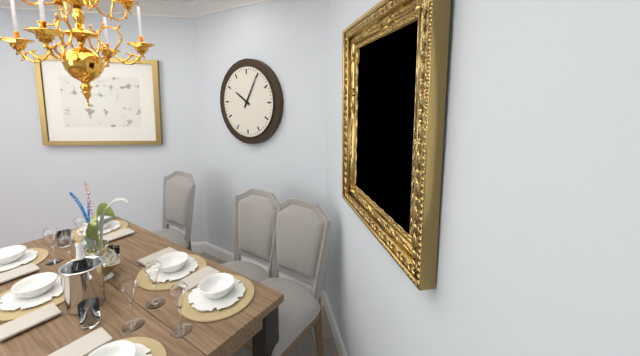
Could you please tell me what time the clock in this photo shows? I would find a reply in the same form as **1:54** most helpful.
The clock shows **10:05**
